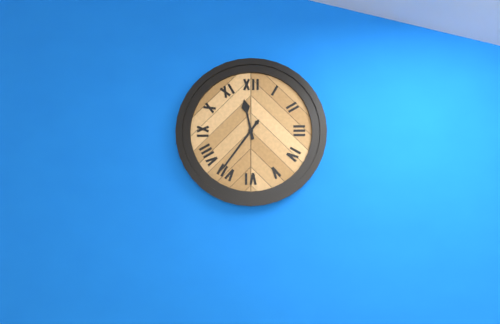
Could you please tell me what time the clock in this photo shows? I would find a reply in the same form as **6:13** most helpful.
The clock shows **11:36**
